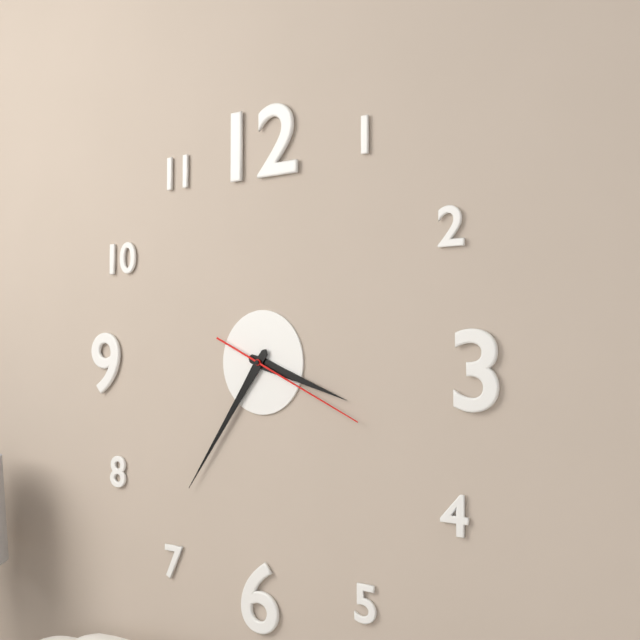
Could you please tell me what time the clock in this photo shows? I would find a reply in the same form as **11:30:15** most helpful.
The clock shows **3:36:19**
